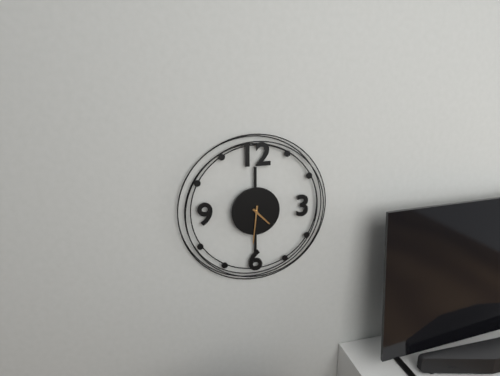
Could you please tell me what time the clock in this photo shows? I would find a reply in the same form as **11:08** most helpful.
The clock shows **4:31**
